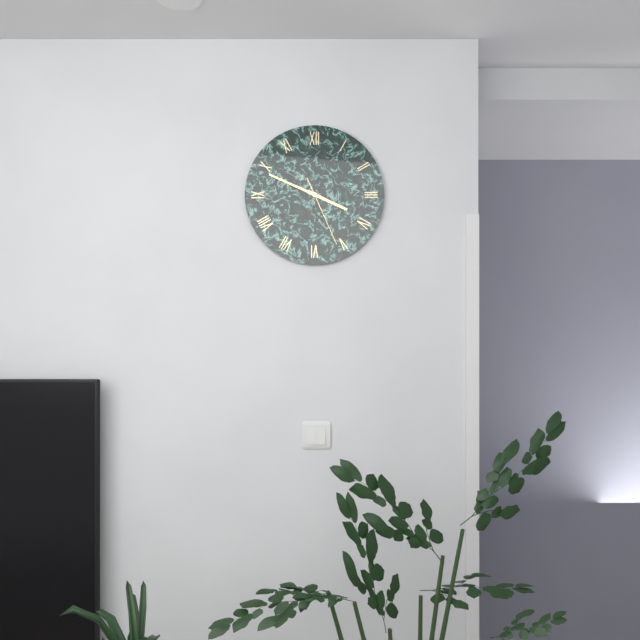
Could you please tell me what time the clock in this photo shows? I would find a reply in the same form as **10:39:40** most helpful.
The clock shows **3:49:26**
